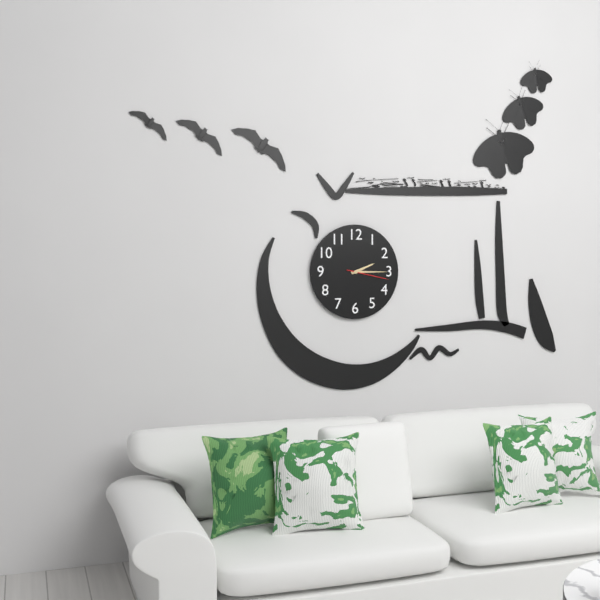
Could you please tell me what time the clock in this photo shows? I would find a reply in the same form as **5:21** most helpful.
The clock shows **2:15**
